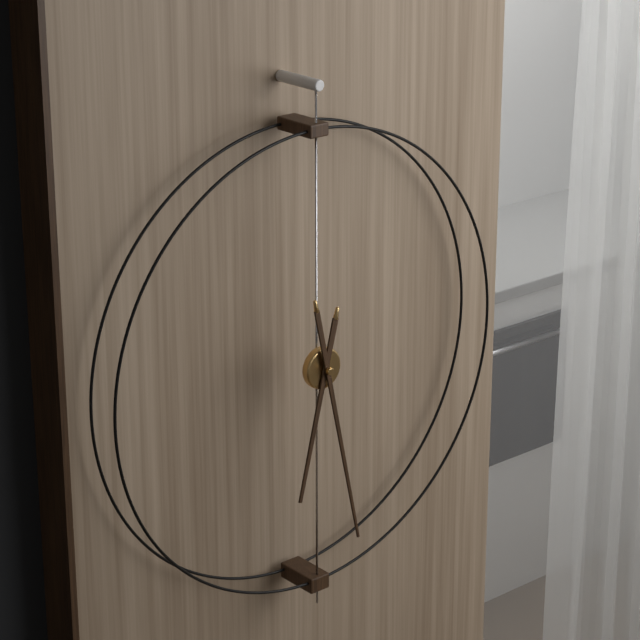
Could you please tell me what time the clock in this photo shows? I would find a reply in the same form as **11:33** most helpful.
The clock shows **6:28**
